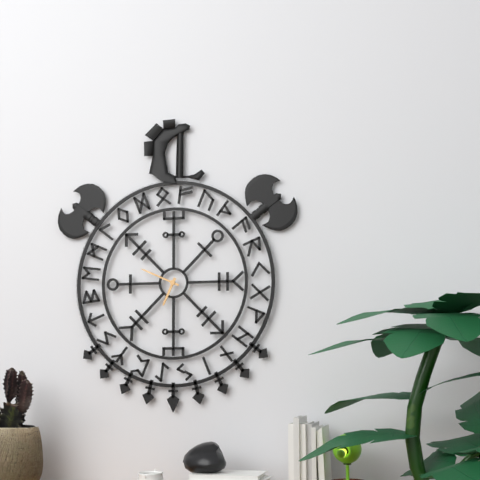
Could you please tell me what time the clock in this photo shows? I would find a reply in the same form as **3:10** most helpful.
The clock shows **6:49**
